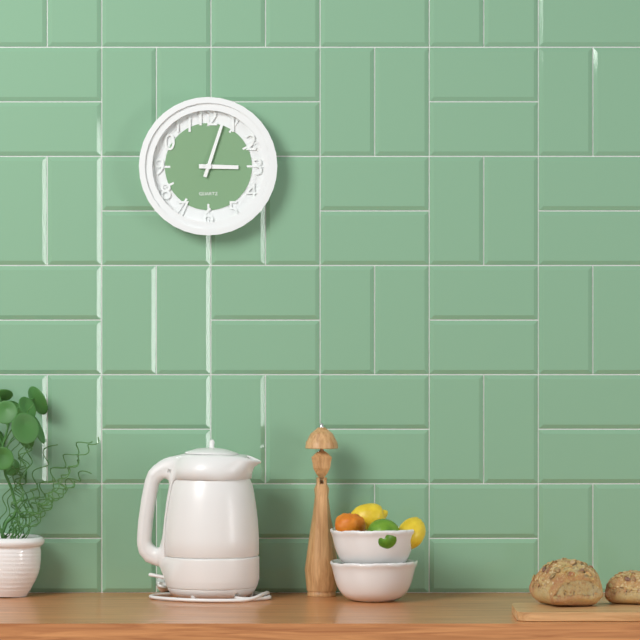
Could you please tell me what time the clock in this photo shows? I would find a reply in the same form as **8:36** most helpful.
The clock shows **3:03**
